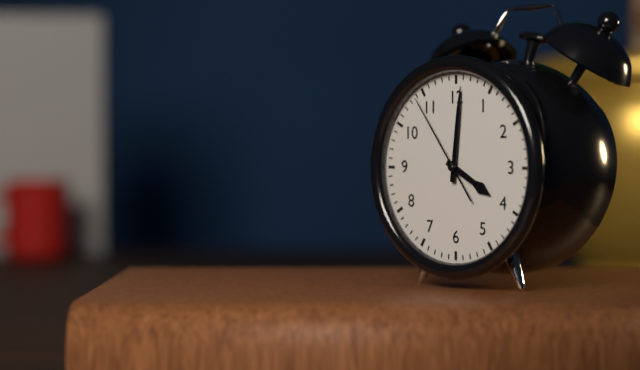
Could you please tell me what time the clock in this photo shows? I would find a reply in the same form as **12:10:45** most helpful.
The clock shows **4:01:54**
